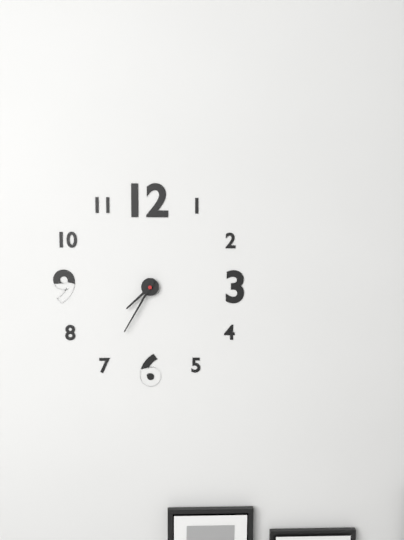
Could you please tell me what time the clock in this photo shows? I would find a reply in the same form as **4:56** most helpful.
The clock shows **7:35**
